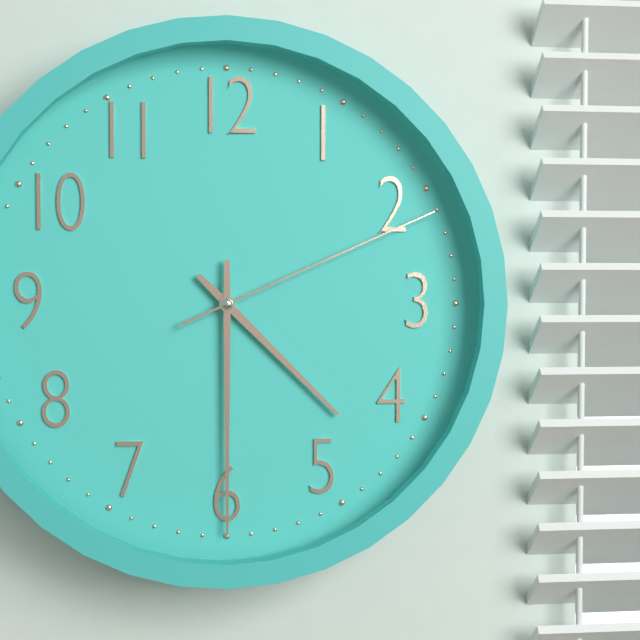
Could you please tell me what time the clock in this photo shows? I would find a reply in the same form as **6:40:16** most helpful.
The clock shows **4:30:11**
